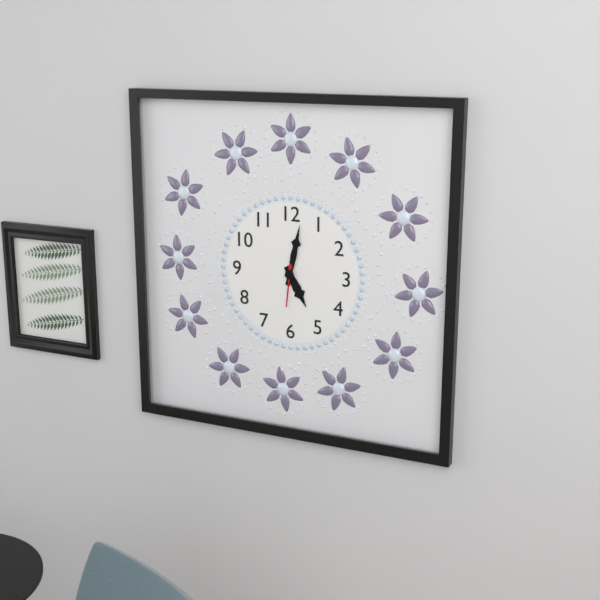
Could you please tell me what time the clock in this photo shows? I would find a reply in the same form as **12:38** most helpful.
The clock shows **5:02**
